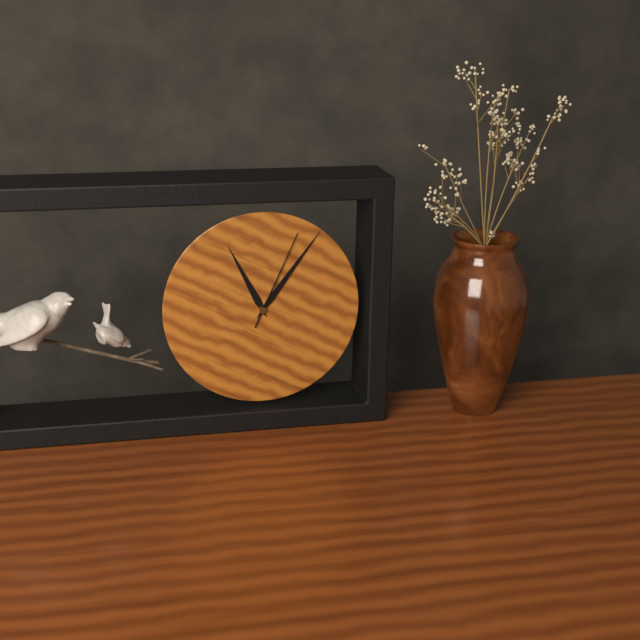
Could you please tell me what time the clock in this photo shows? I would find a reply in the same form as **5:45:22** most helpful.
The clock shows **11:06:04**
